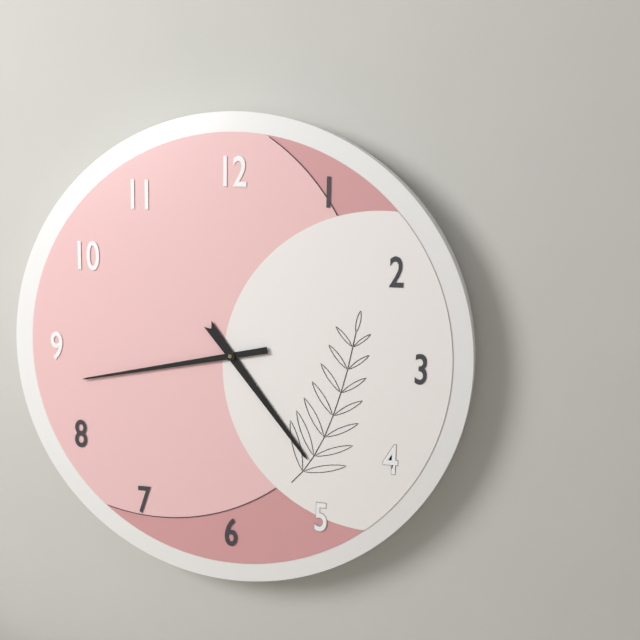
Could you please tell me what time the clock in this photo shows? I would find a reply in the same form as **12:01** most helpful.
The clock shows **4:43**
